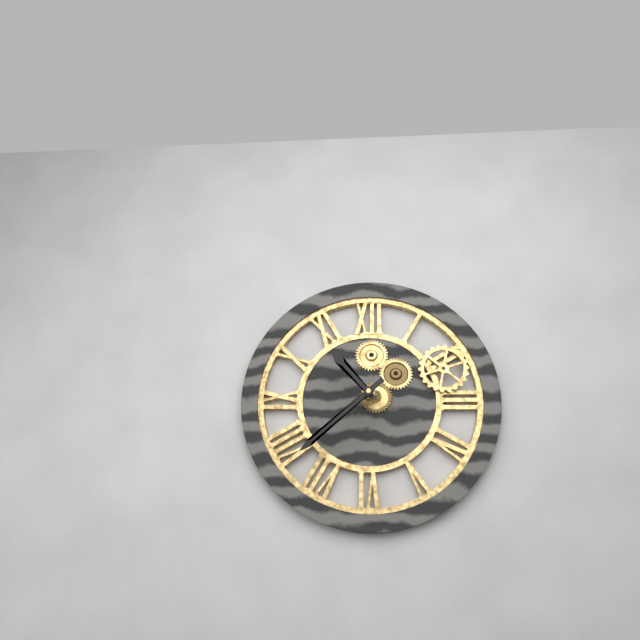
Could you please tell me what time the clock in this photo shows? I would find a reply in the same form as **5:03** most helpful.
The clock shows **10:38**
